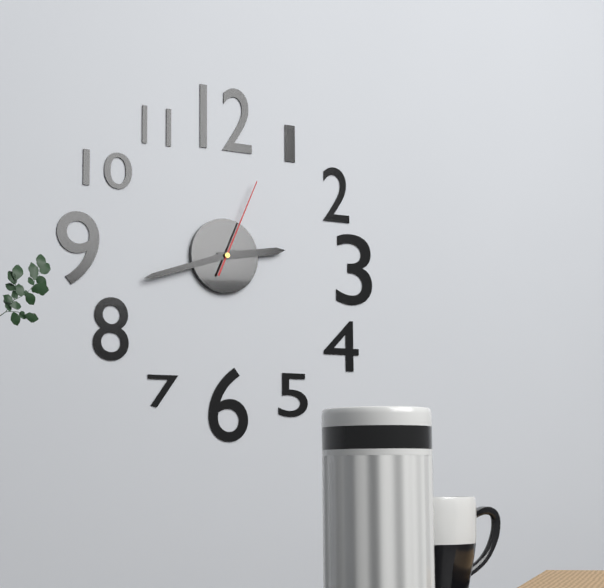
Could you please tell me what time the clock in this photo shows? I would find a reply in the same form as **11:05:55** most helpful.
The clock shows **2:42:04**
